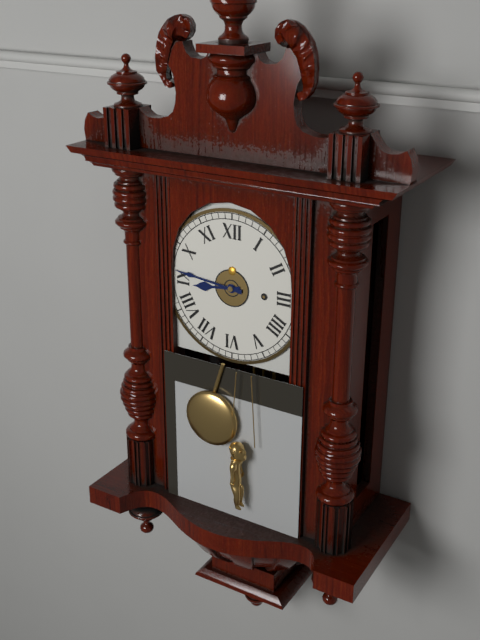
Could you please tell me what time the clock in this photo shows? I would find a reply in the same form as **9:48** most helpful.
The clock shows **8:46**
